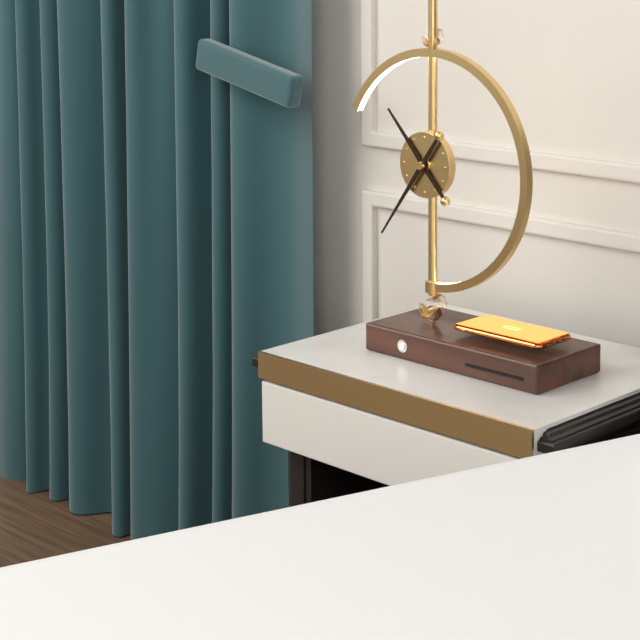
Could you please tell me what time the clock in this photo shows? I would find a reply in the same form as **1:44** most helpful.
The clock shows **10:36**
